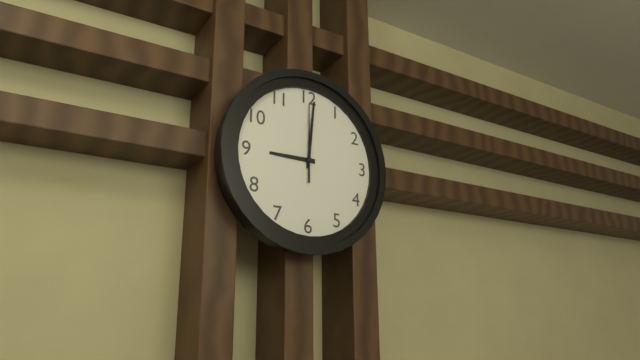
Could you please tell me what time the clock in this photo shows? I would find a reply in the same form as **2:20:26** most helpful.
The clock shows **9:01:00**
